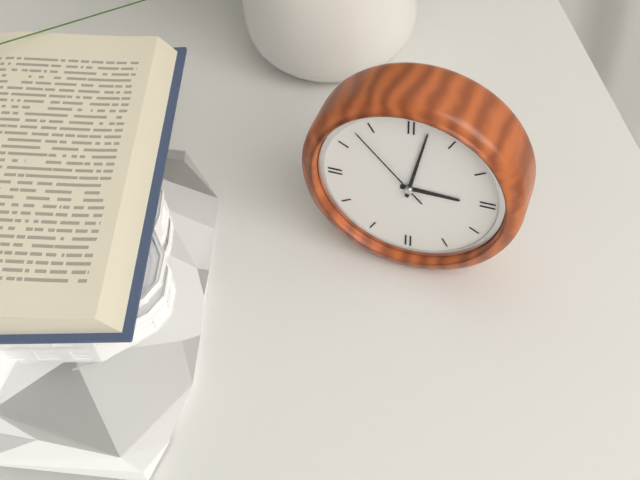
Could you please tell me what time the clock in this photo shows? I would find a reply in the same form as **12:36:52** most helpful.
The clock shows **3:02:53**
